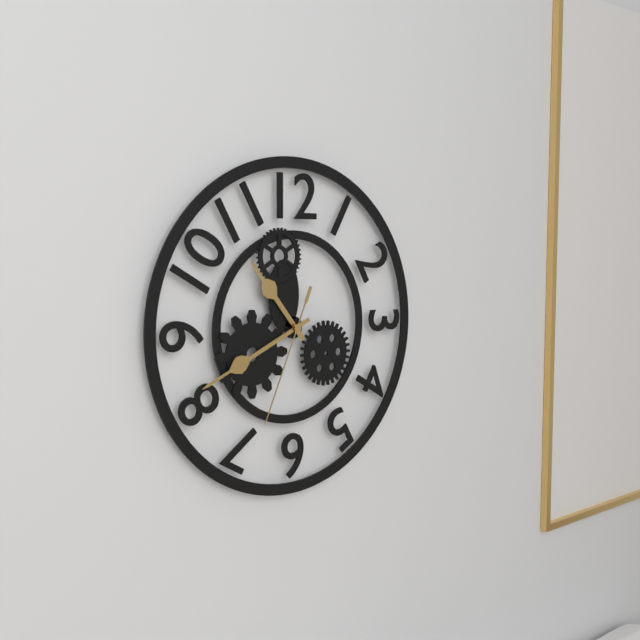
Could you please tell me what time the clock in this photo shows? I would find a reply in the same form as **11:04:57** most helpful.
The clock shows **10:41:34**
